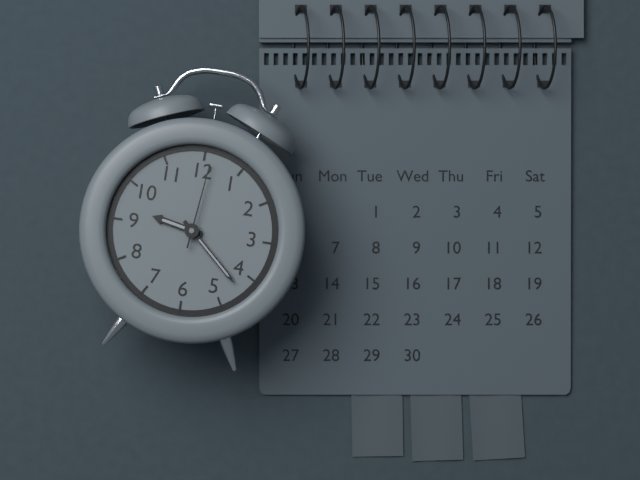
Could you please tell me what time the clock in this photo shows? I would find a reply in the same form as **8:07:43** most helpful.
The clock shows **9:22:01**
